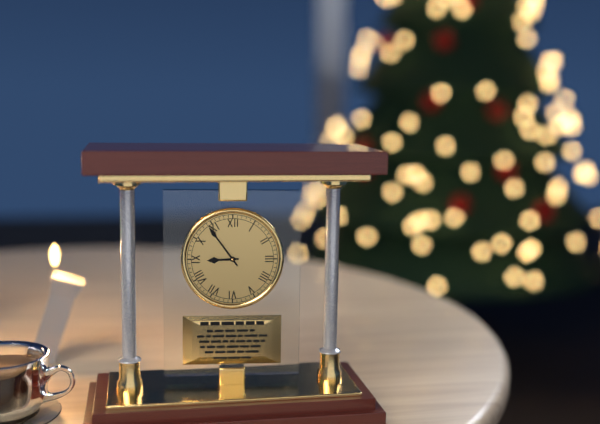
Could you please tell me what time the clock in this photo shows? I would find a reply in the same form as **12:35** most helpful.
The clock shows **8:54**
